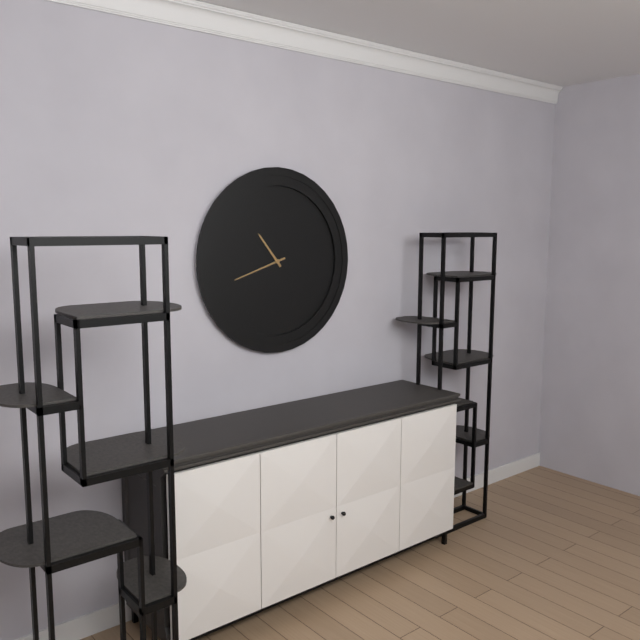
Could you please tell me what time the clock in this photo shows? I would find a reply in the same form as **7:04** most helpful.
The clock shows **10:42**
